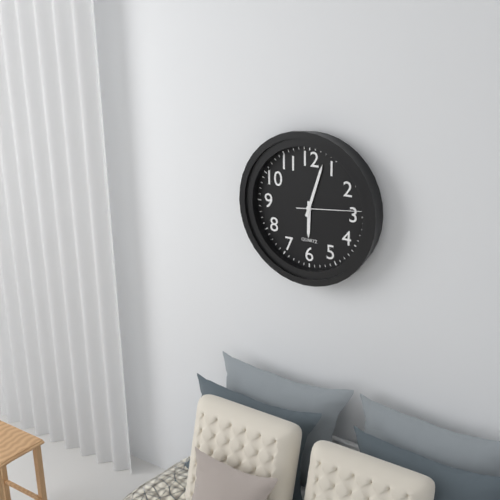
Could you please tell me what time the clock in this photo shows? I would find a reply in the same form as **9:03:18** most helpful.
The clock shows **6:03:14**
